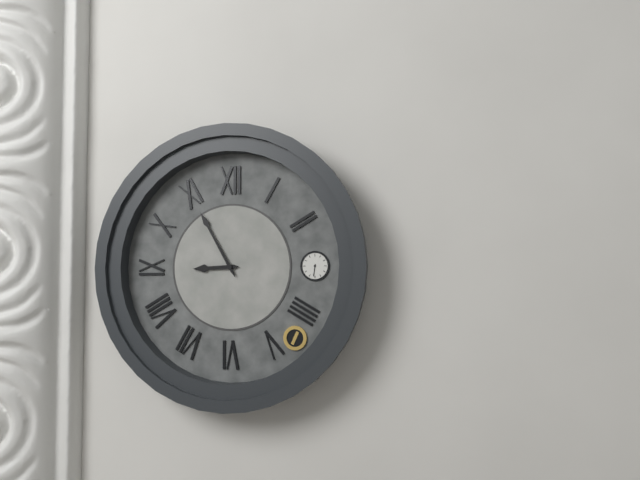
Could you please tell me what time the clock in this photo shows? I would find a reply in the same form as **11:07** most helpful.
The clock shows **8:55**
